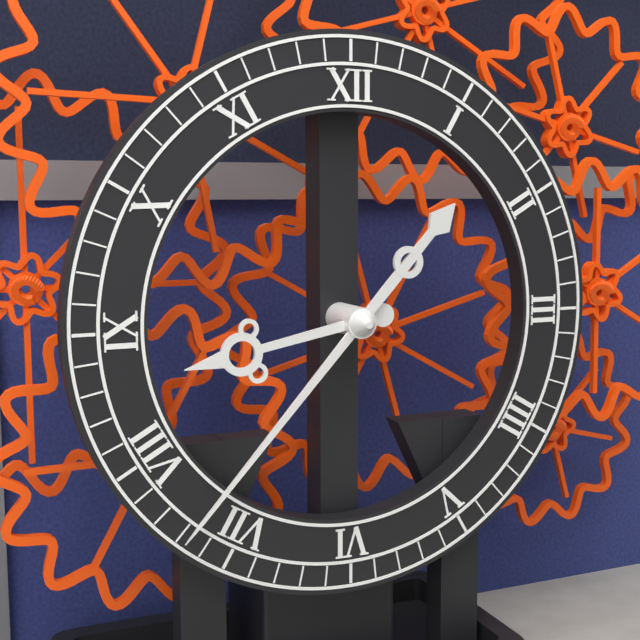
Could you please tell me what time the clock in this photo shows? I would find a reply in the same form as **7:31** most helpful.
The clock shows **8:37**
